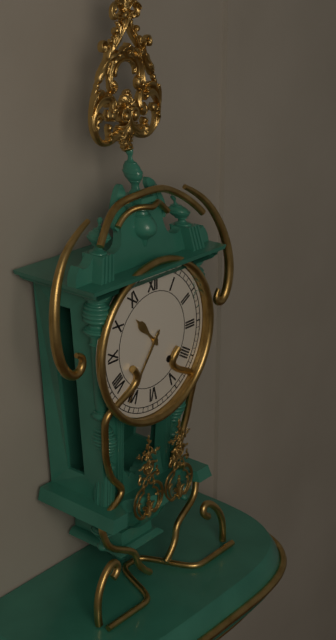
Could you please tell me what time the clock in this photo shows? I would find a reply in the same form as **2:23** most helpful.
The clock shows **10:36**
